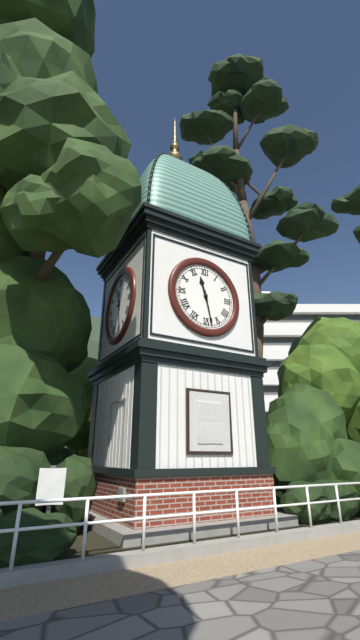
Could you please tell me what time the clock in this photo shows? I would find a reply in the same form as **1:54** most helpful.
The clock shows **11:28**
